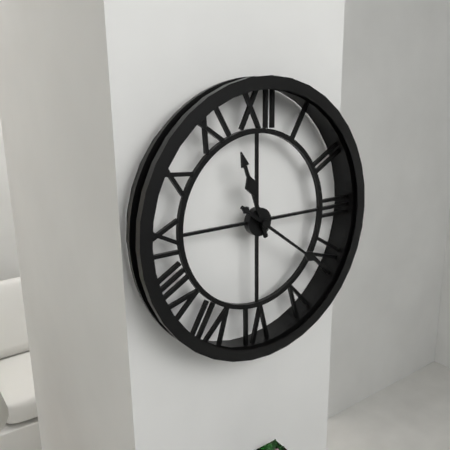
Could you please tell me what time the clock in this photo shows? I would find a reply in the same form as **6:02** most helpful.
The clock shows **11:21**
